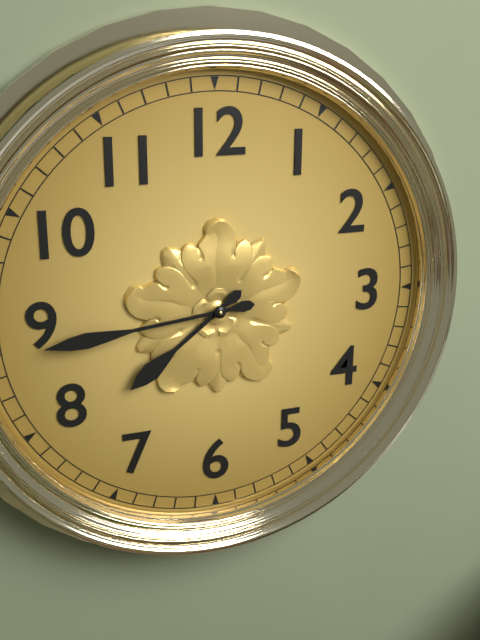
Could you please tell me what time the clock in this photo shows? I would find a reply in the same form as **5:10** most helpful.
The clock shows **7:44**
